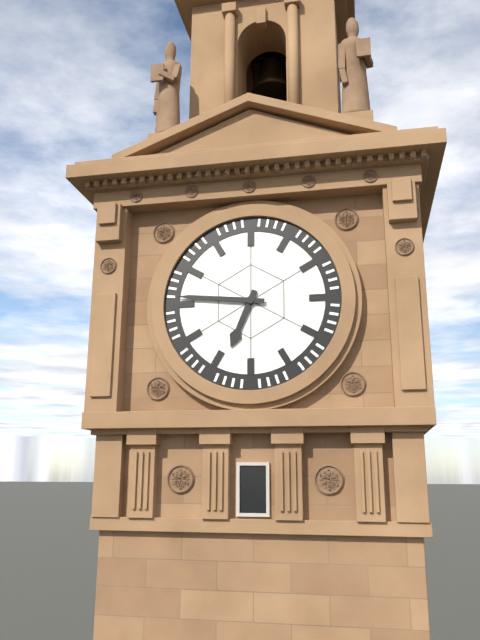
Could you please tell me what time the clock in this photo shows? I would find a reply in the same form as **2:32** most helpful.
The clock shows **6:46**
